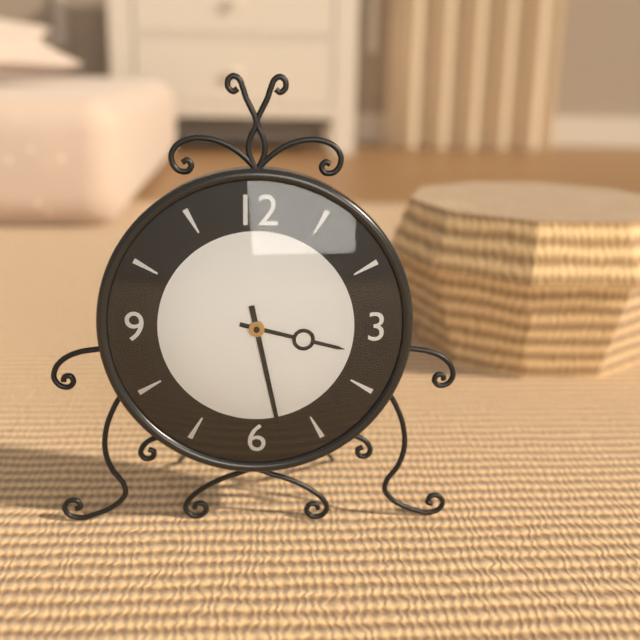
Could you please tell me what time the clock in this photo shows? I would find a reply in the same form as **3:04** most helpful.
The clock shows **3:28**
